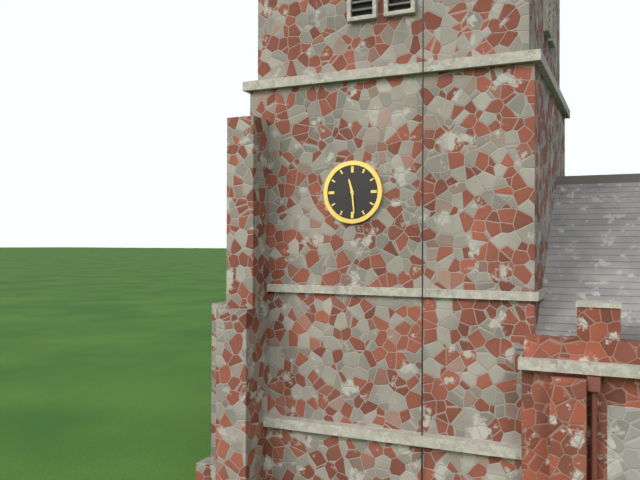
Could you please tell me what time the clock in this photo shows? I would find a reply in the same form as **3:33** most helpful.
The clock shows **11:29**
